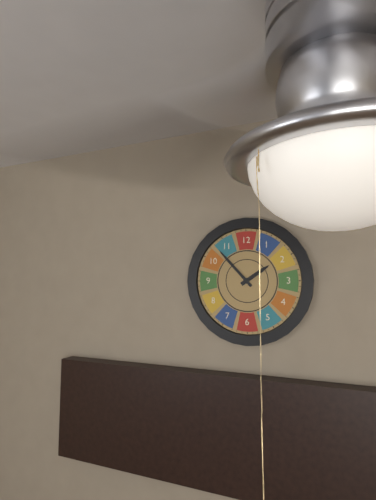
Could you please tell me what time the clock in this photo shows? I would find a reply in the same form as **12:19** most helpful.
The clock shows **1:53**
